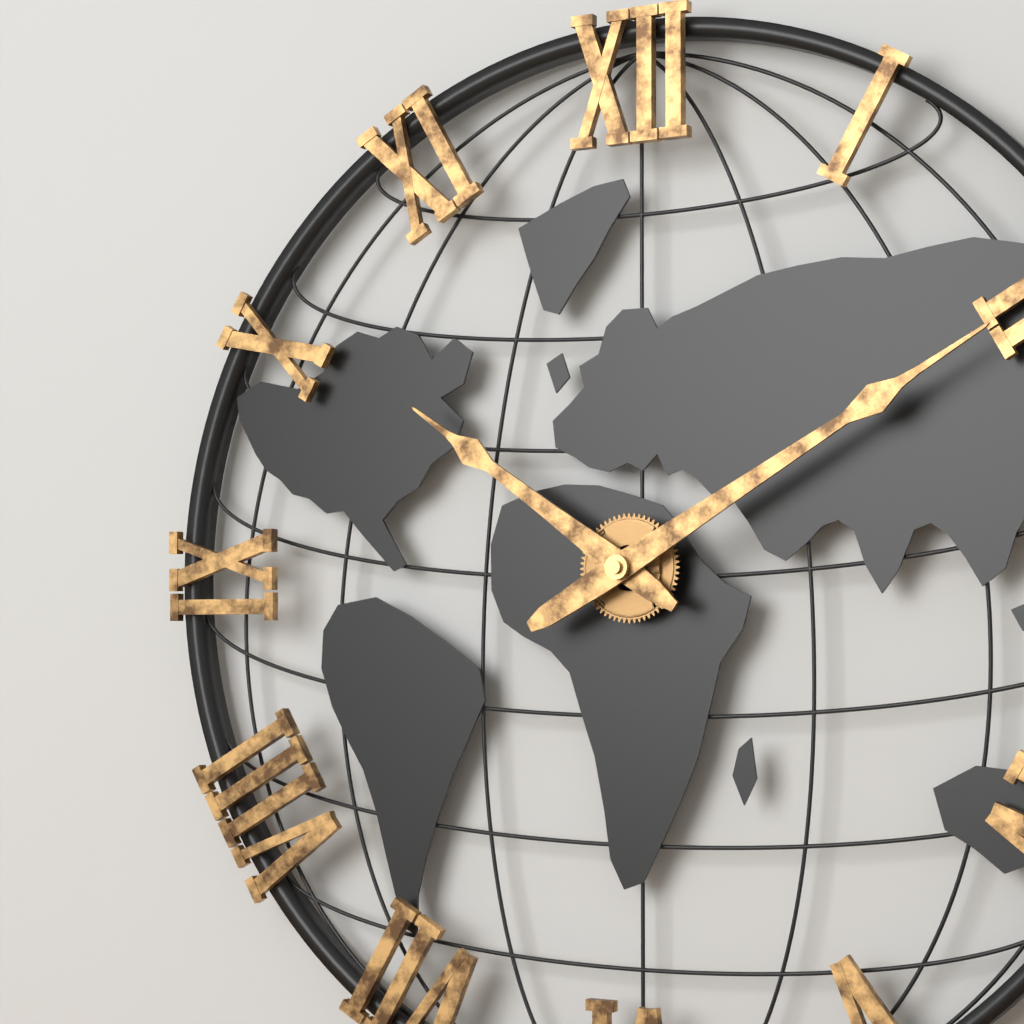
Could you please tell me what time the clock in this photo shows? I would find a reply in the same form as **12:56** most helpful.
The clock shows **10:10**
